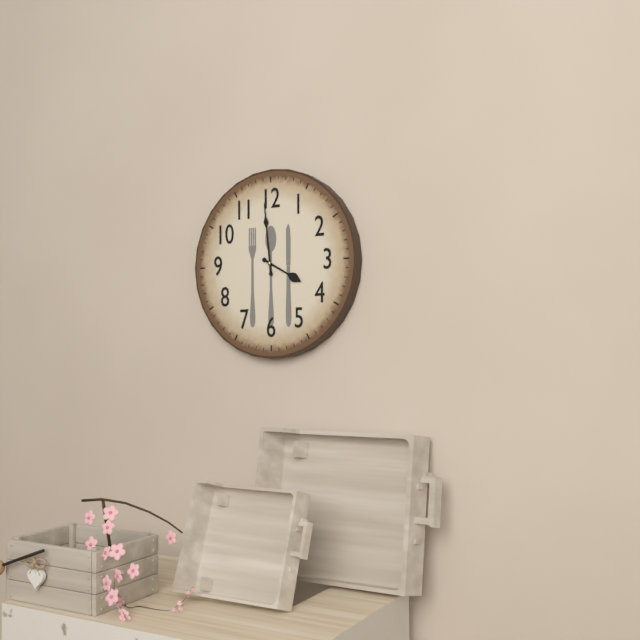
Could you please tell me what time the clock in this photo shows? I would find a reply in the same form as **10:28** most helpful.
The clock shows **3:59**
